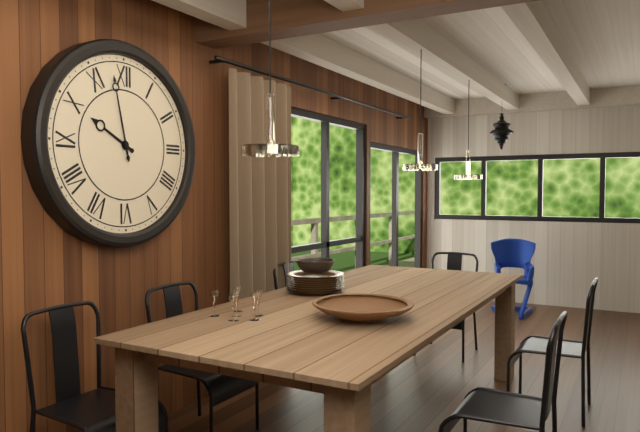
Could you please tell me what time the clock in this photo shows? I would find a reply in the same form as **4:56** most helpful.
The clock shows **9:58**
